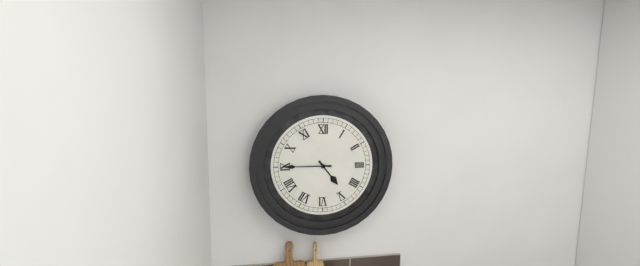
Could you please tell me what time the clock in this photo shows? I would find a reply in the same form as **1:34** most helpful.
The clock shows **4:45**
